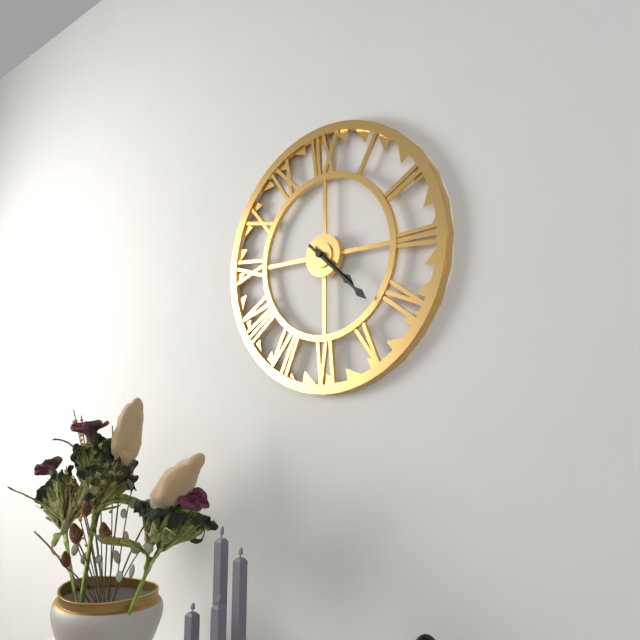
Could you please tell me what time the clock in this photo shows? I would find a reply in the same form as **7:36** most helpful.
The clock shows **4:22**
